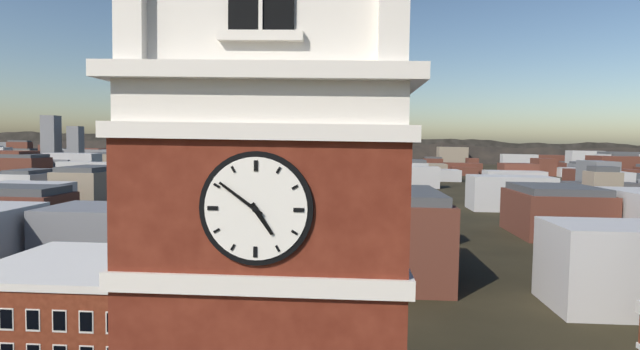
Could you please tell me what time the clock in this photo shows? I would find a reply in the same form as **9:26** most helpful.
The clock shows **4:51**
